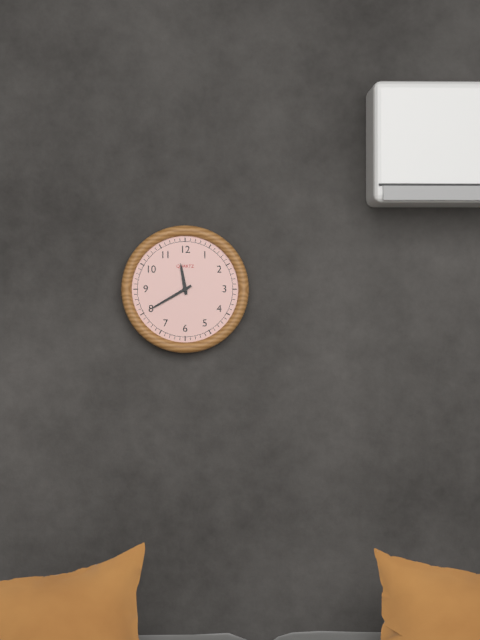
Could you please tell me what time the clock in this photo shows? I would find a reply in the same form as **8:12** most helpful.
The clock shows **11:40**
